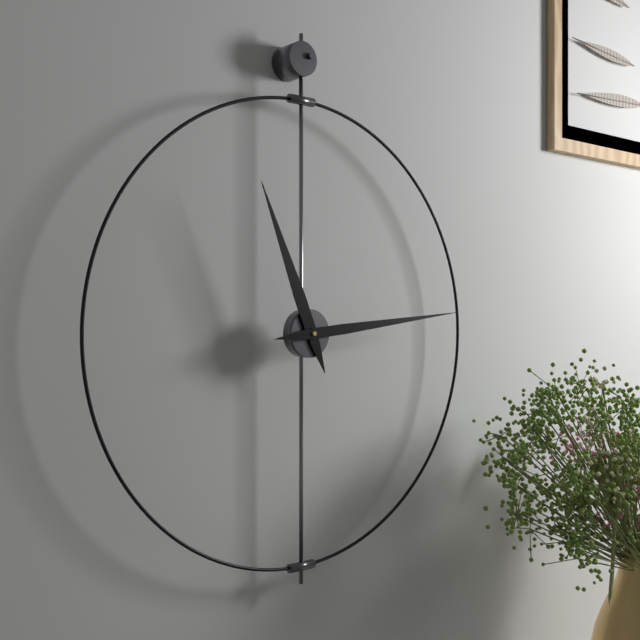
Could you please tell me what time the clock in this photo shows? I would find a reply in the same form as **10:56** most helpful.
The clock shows **11:14**
